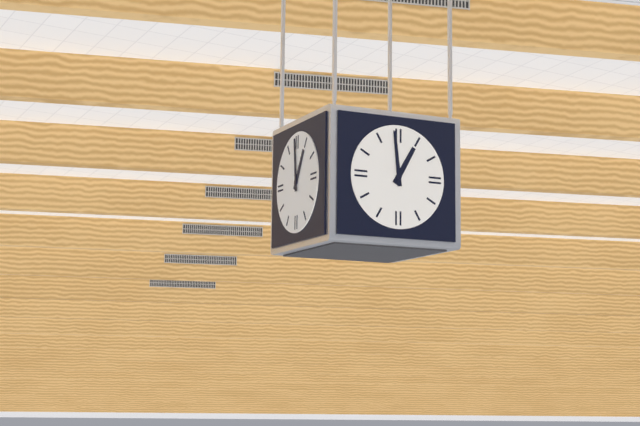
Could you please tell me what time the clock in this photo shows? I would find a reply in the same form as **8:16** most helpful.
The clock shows **12:59**
